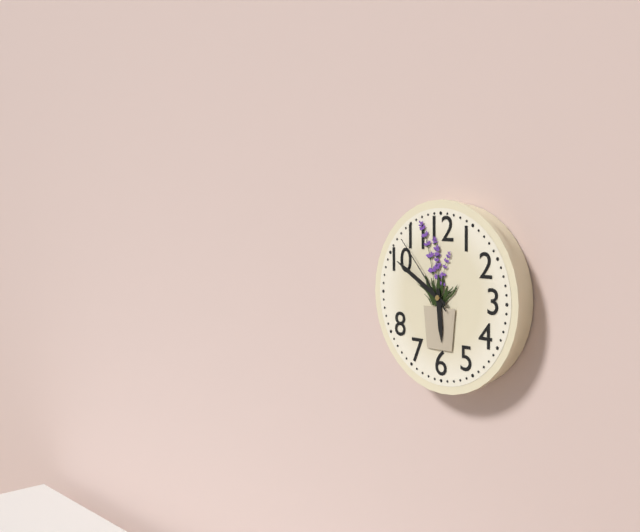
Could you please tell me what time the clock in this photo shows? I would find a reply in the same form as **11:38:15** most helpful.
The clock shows **5:50:53**
